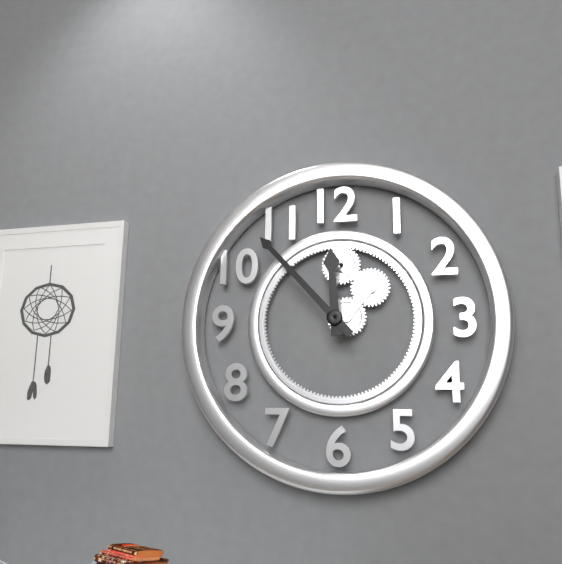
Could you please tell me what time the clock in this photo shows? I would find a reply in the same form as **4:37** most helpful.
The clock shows **11:53**
